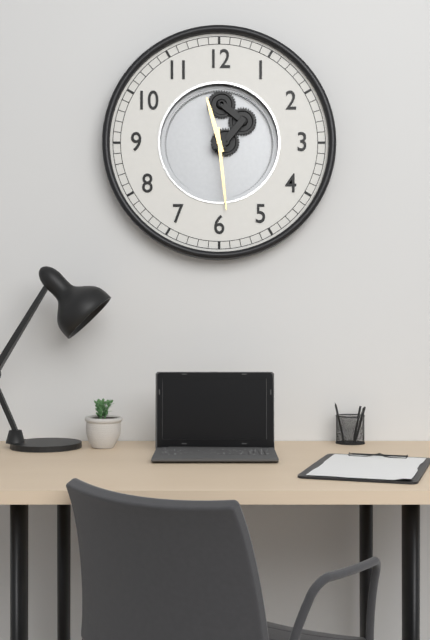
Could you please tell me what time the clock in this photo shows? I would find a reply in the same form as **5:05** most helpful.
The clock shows **11:29**
